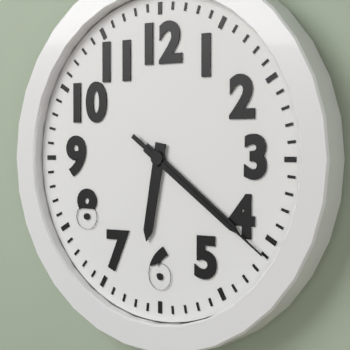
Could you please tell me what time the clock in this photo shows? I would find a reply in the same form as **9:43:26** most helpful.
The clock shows **6:21:21**
